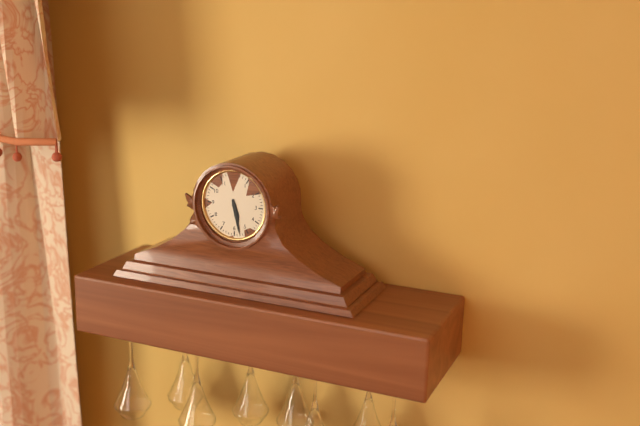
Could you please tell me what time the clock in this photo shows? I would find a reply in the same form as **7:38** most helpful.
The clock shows **5:28**
